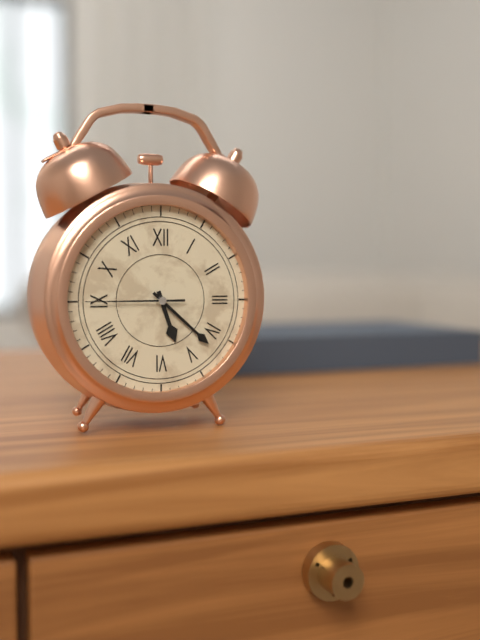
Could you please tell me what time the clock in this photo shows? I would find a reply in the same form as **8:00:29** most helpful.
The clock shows **5:22:45**
